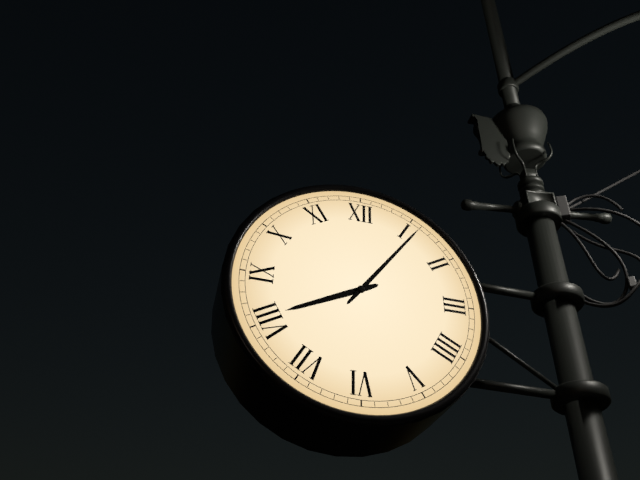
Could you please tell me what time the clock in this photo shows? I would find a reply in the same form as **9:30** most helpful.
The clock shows **8:06**
